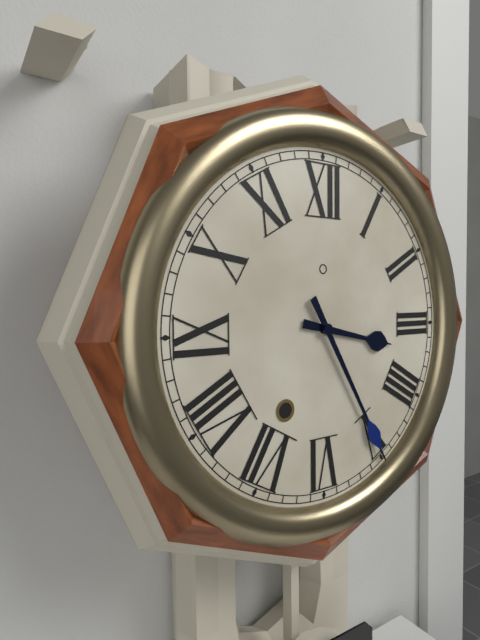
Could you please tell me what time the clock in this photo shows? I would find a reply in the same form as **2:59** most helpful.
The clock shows **3:25**
